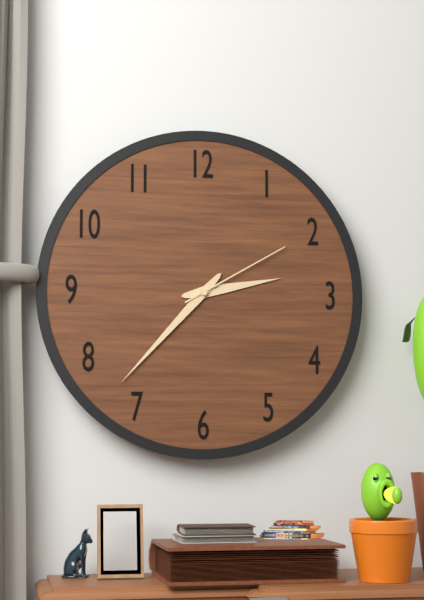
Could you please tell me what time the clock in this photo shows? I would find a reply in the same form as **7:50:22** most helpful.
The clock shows **2:37:10**
